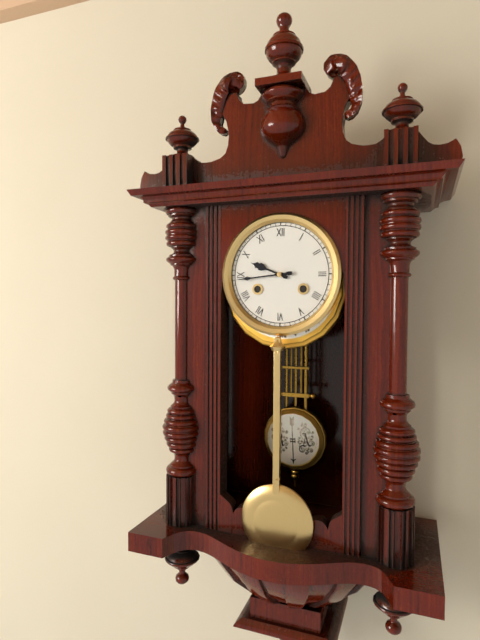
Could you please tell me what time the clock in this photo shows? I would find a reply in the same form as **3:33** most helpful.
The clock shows **9:44**
